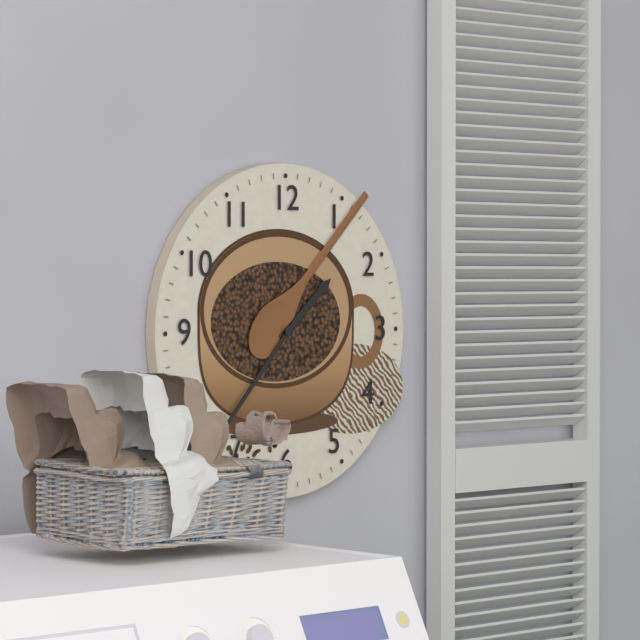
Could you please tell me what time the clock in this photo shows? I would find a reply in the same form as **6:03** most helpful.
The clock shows **1:37**
